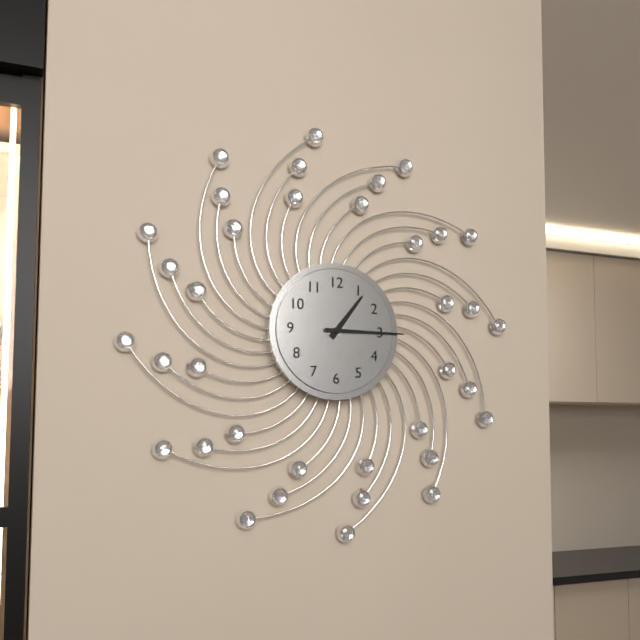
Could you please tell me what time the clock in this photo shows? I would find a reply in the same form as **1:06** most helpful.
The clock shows **1:15**
